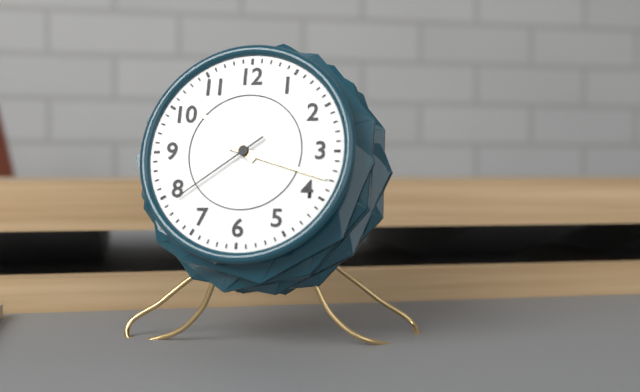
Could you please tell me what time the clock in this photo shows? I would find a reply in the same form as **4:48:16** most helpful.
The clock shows **10:18:39**
